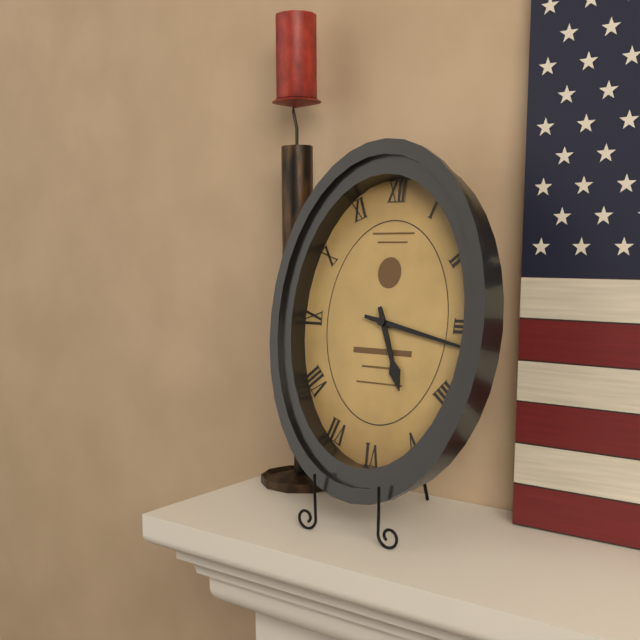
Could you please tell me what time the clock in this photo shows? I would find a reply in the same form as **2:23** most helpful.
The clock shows **5:17**
